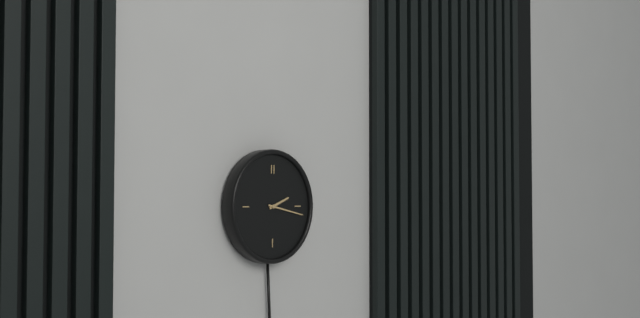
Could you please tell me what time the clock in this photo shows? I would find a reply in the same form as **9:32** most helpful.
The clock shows **2:17**
